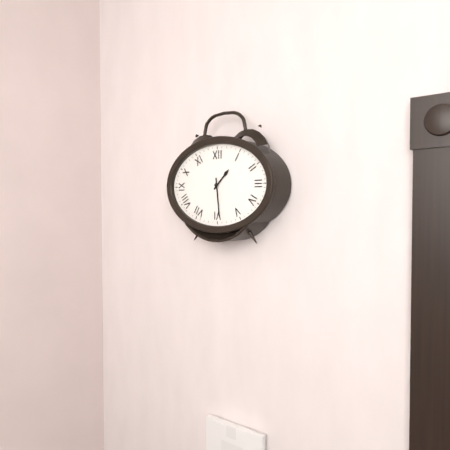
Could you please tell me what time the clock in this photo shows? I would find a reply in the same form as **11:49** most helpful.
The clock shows **1:29**
